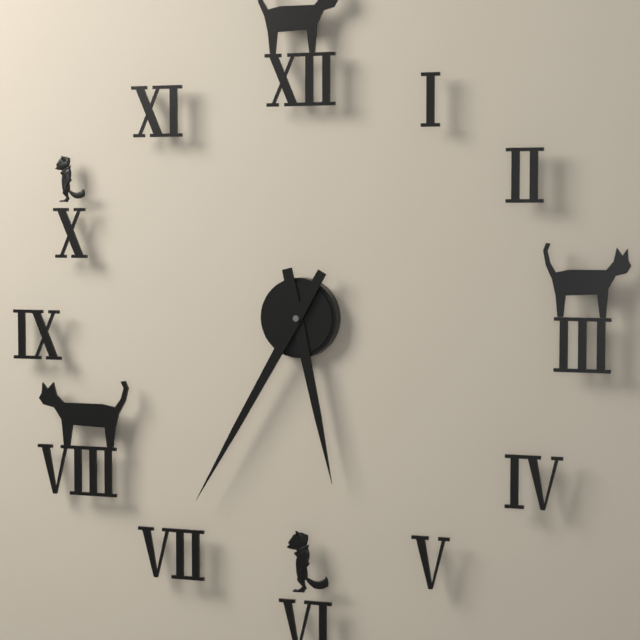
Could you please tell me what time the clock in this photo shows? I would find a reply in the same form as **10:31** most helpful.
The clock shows **5:35**
